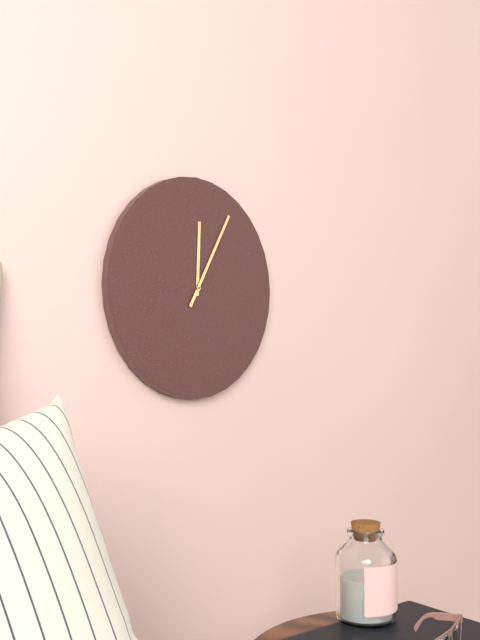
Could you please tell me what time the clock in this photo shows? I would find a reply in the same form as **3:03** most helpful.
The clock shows **12:05**
